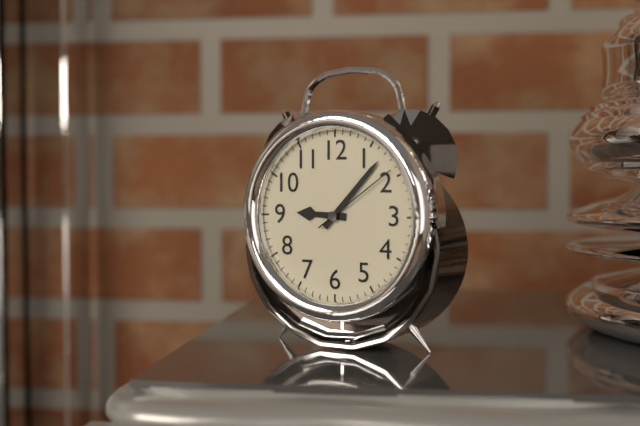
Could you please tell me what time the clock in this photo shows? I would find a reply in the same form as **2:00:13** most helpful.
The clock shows **9:07:09**
